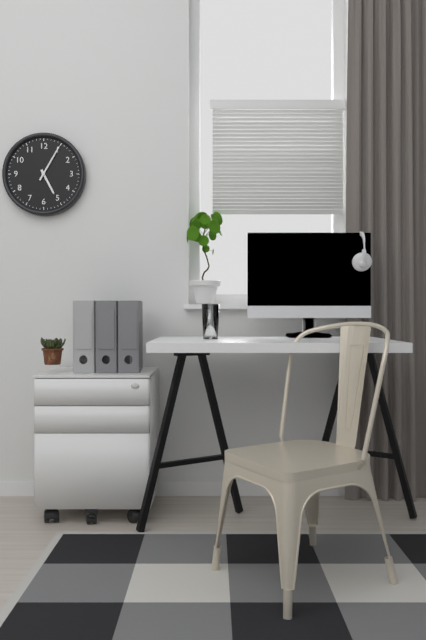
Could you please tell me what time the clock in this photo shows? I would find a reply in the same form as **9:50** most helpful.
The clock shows **5:05**
